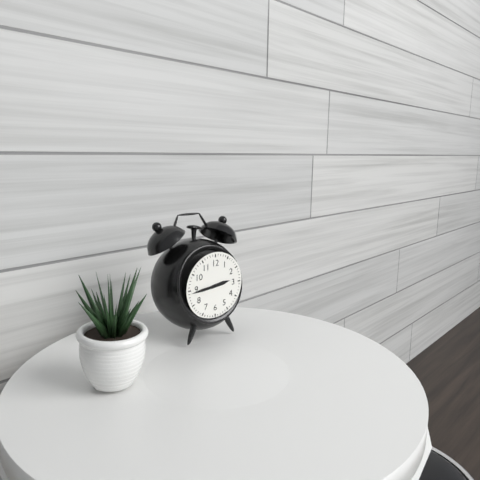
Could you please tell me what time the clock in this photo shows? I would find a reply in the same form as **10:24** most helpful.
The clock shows **2:44**
